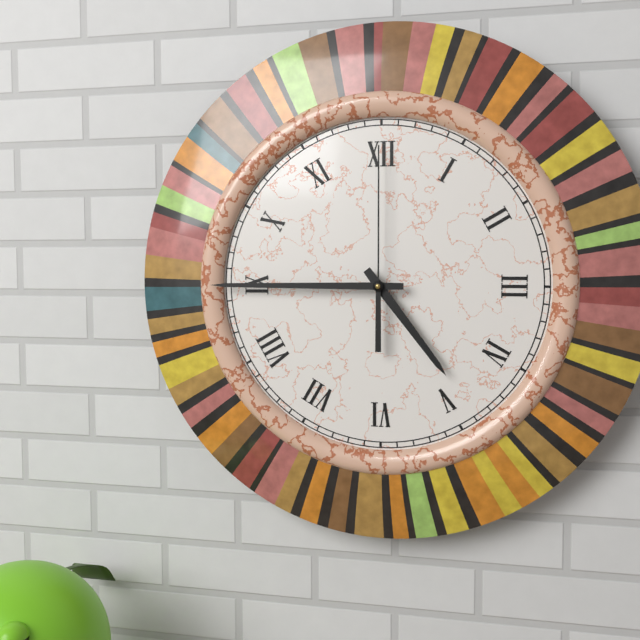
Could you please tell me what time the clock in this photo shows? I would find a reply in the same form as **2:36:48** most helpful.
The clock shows **4:45:00**
